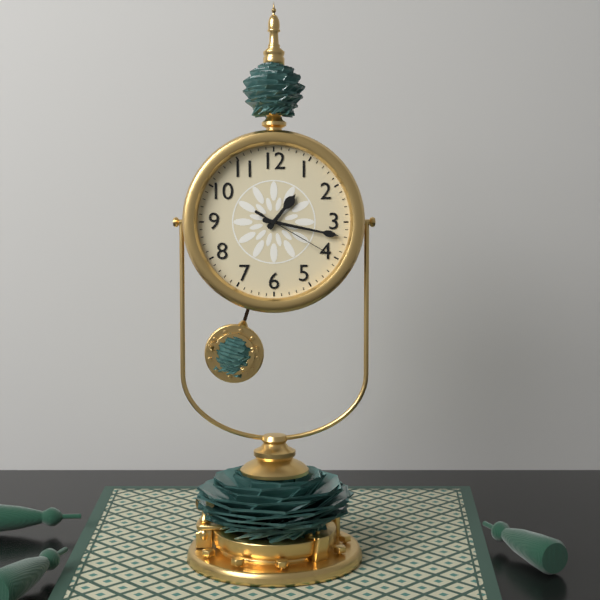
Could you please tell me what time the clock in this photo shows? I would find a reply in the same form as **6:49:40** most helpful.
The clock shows **1:17:20**
